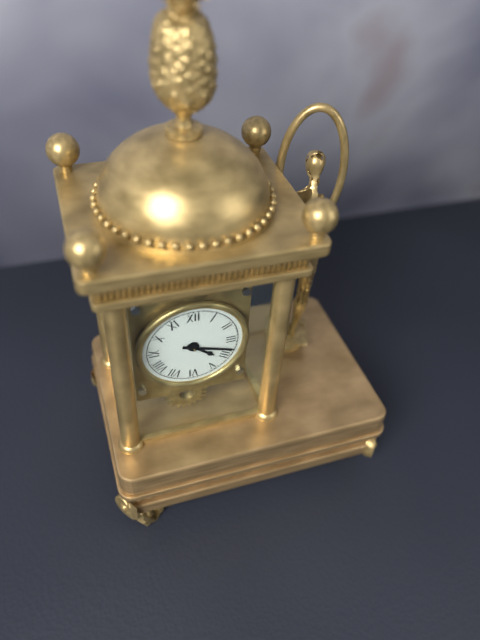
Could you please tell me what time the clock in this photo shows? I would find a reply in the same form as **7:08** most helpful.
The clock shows **4:18**
